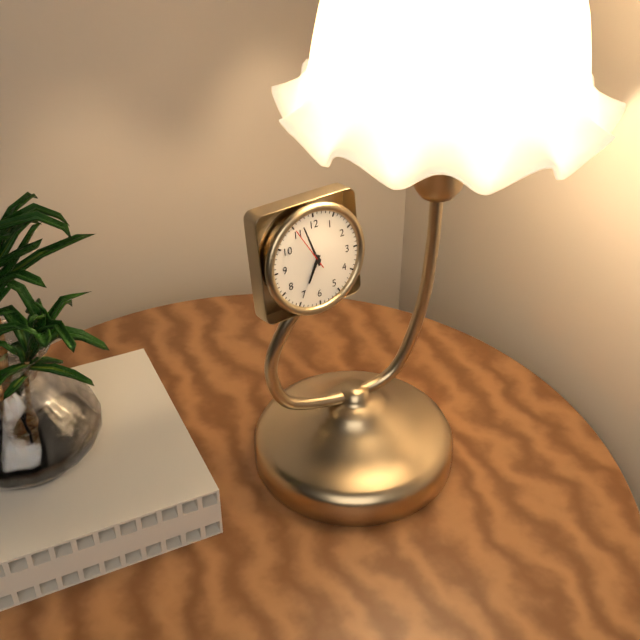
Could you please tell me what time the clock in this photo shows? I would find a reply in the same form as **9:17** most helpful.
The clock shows **6:57**
